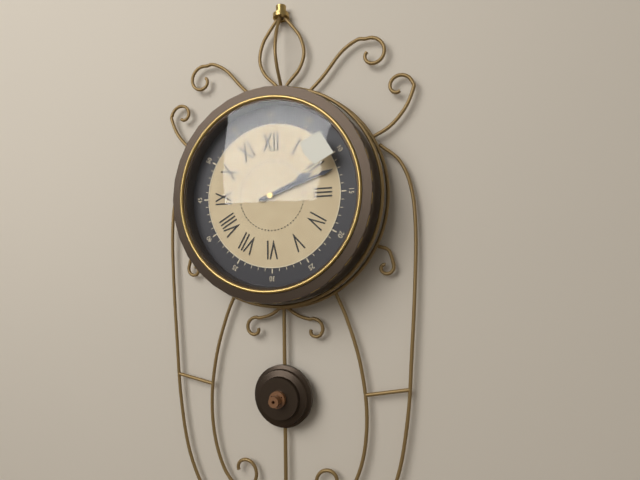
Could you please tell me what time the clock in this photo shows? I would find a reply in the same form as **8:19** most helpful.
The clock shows **2:12**
